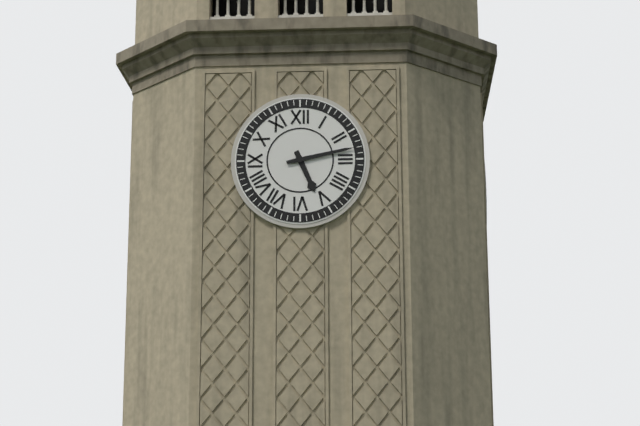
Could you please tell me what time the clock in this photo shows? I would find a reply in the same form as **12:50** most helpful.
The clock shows **5:13**
